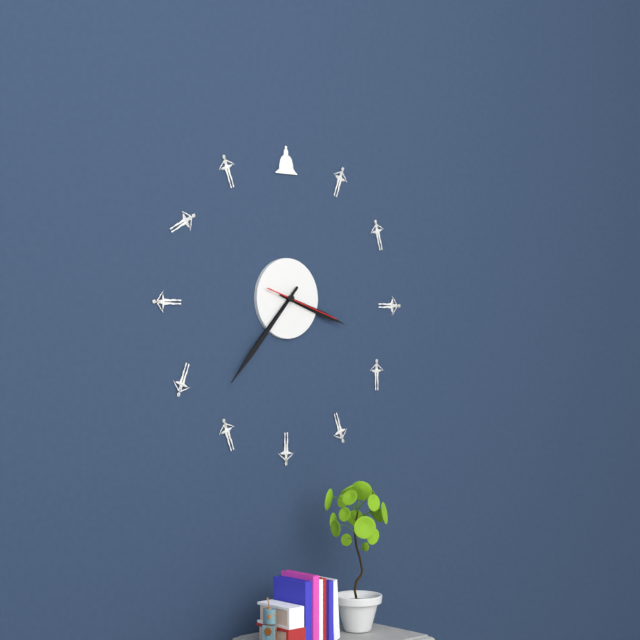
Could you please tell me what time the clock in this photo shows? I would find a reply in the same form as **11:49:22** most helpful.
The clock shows **3:37:18**
